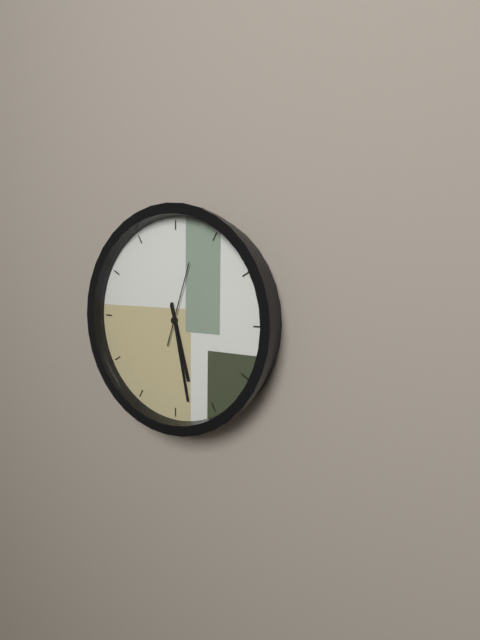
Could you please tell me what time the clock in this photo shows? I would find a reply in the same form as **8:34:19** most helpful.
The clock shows **5:28:03**
